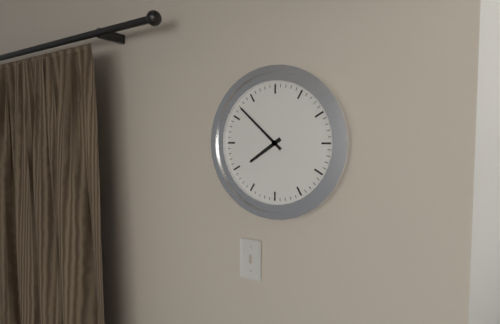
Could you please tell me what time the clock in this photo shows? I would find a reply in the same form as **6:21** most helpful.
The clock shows **7:52**
